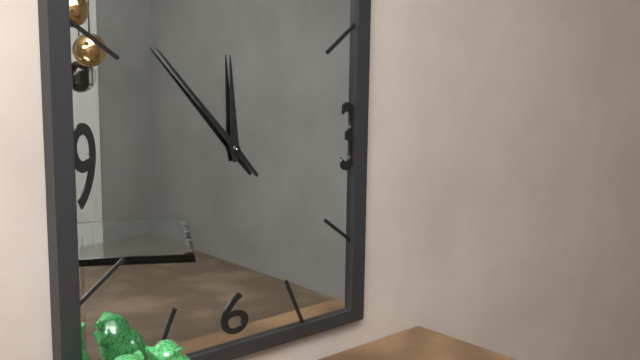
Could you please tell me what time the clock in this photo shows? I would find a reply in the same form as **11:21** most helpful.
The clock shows **11:53**
